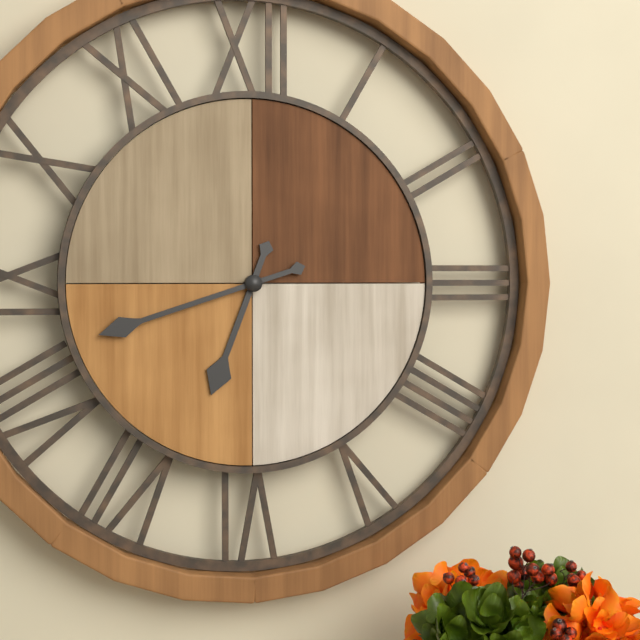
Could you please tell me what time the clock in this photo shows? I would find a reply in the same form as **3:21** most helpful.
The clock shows **6:42**
